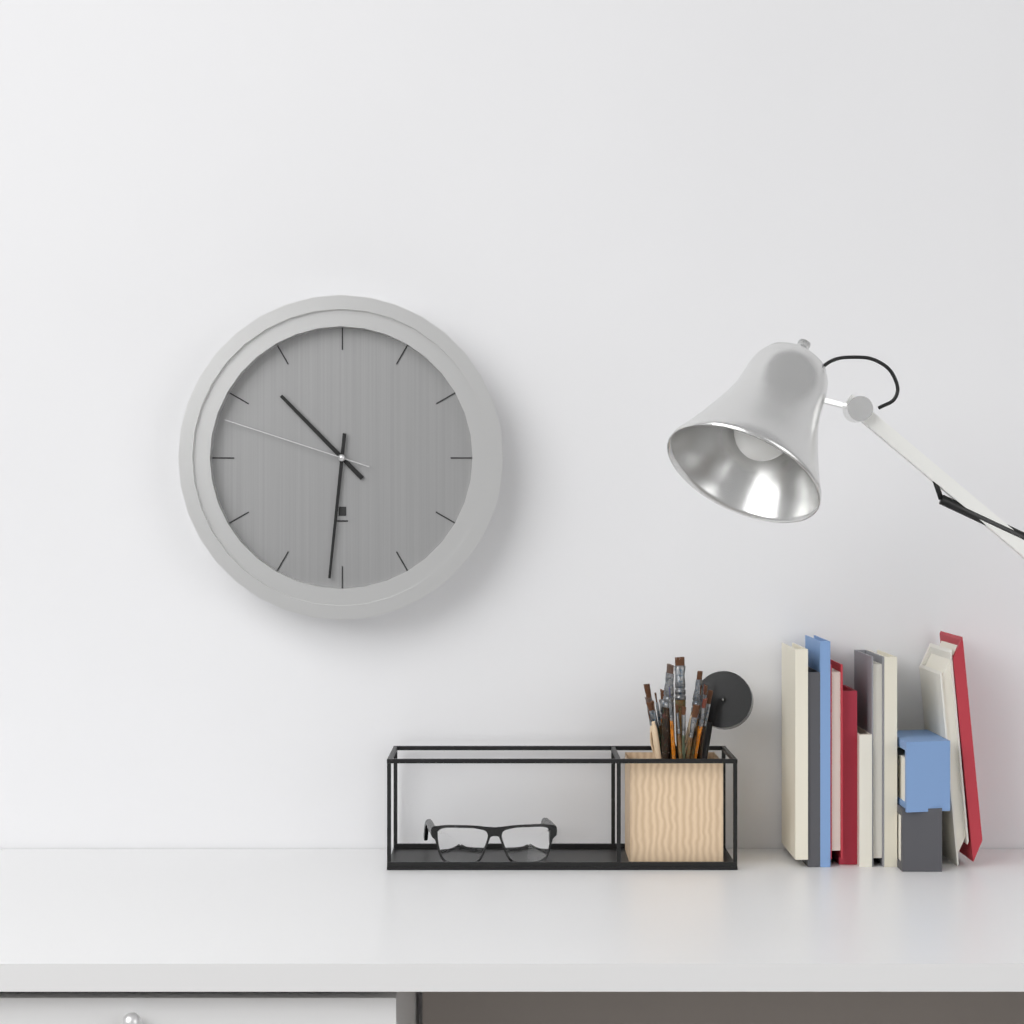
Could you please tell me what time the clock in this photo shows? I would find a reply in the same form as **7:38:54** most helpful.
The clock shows **10:31:48**
